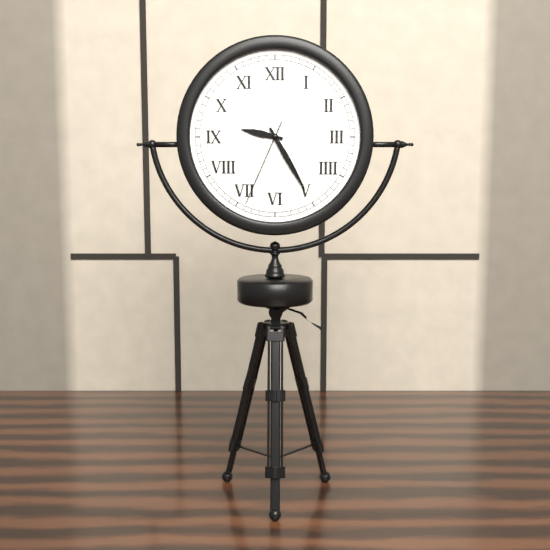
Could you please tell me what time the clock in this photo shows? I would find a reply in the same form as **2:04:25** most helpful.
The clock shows **9:25:34**
